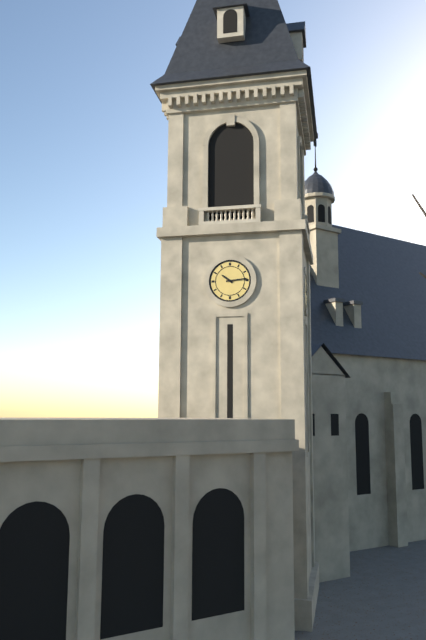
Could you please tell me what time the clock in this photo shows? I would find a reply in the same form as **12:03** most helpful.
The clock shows **10:14**
